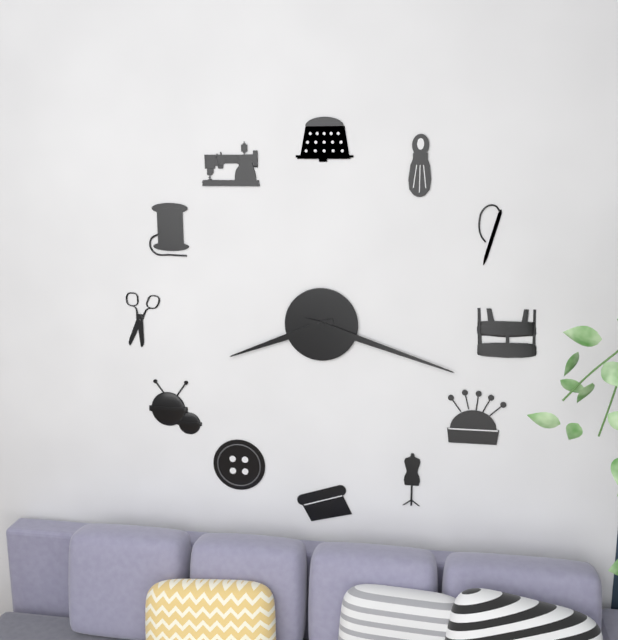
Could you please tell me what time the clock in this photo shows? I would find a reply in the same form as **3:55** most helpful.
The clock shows **8:18**
